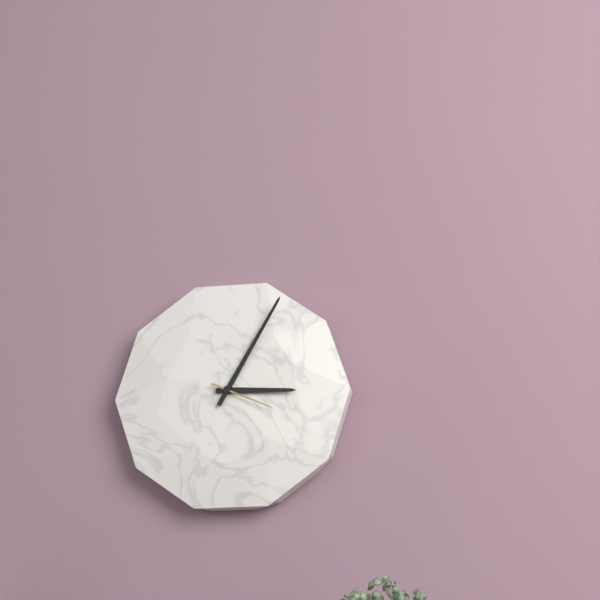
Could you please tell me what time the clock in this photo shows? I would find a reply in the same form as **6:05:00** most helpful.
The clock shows **3:05:19**
